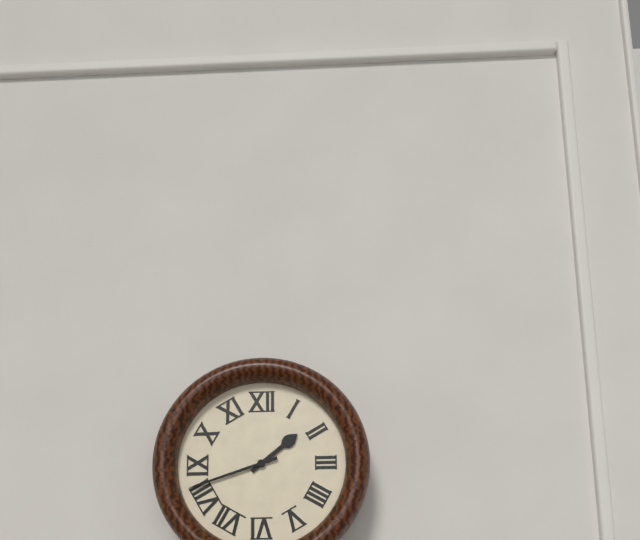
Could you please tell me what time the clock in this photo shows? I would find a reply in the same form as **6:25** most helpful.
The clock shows **1:42**
